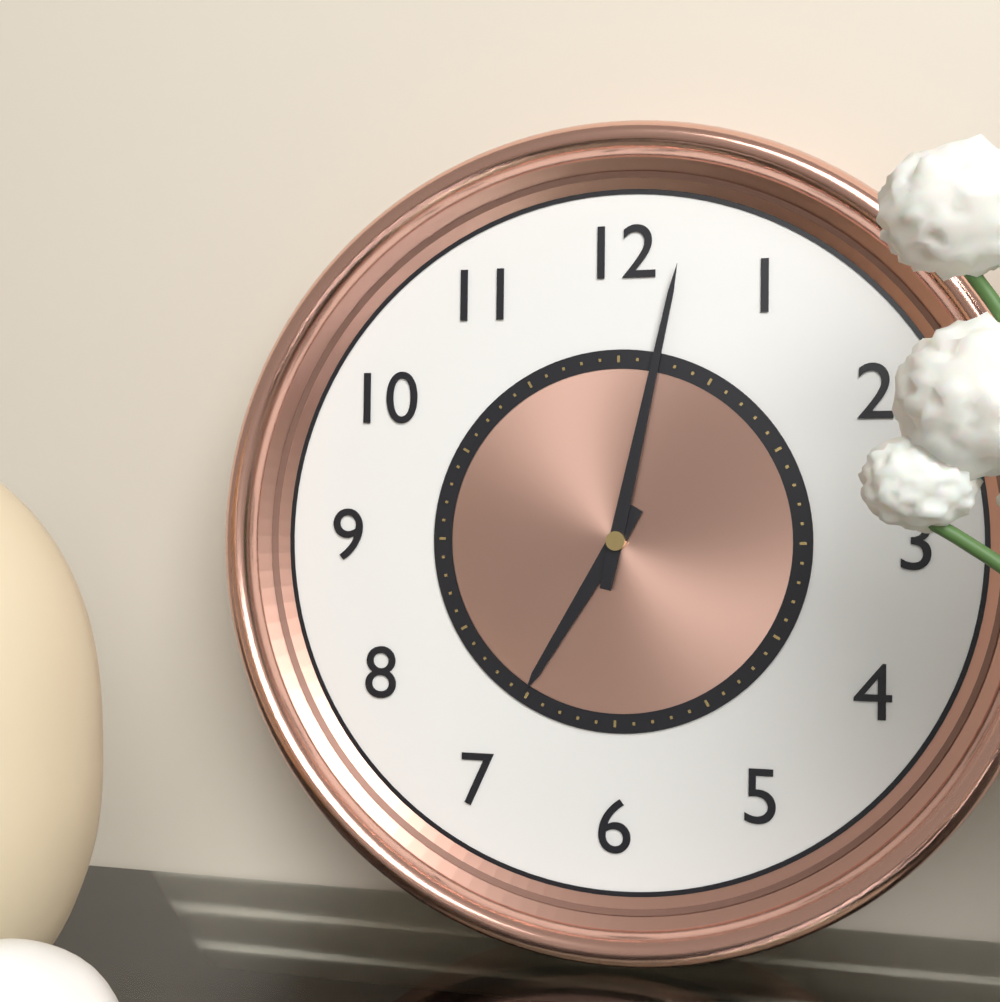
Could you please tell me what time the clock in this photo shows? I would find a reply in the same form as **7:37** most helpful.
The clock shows **7:02**
